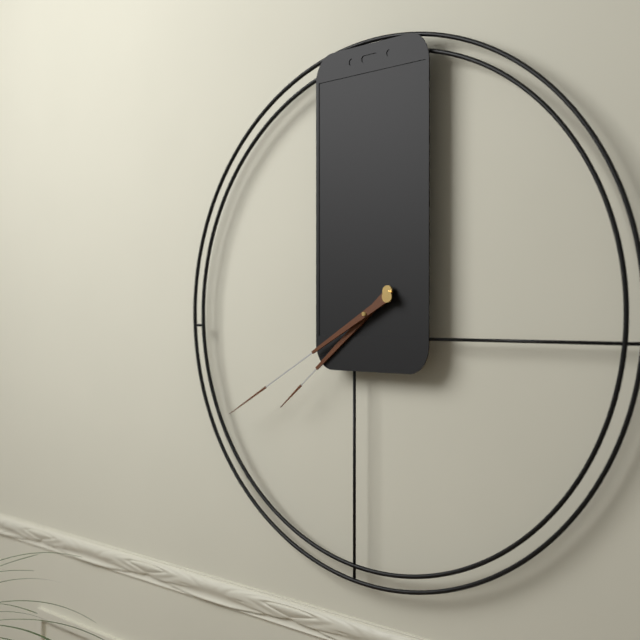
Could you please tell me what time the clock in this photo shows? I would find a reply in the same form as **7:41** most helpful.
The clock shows **7:40**
